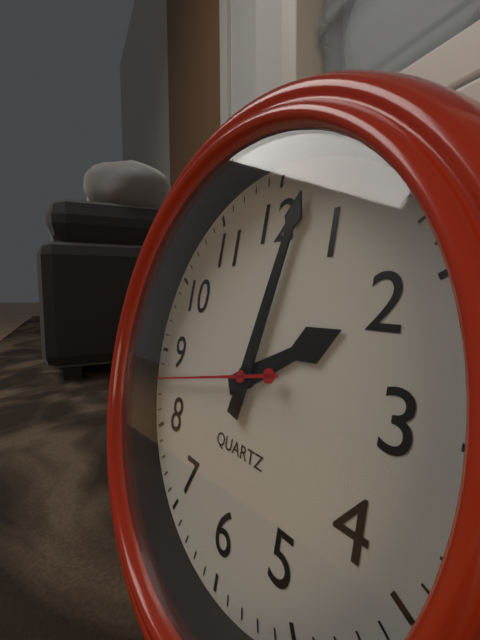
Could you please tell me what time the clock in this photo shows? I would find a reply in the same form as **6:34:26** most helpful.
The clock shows **2:02:43**
